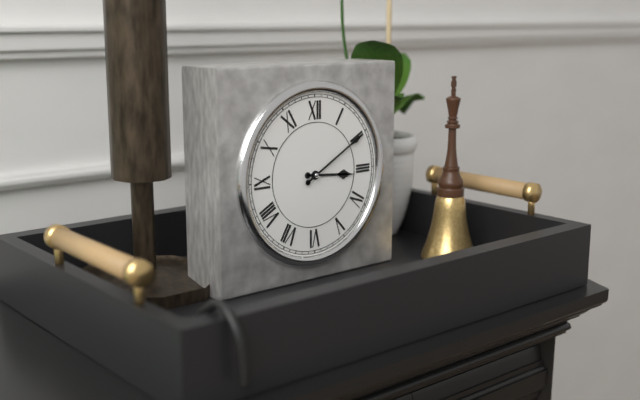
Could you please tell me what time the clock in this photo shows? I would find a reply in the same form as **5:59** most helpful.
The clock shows **3:10**
